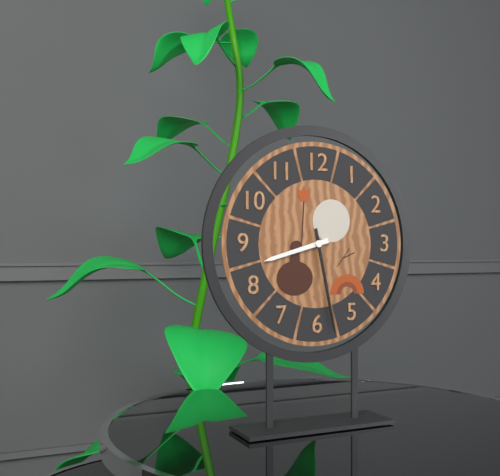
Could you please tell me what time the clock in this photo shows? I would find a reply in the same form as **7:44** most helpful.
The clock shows **8:28**
